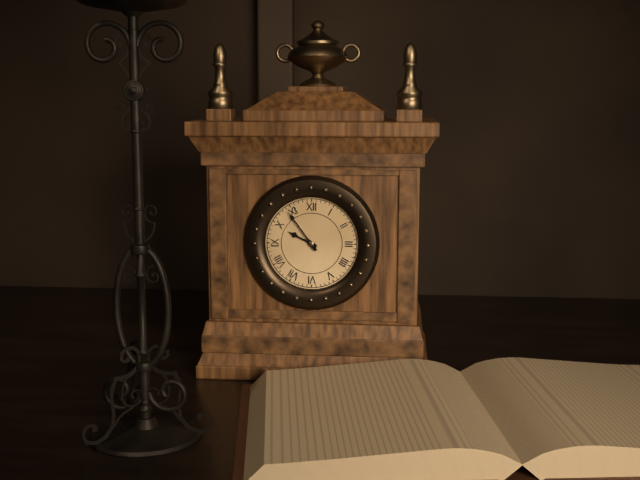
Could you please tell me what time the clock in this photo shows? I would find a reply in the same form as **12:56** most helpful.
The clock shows **9:54**
